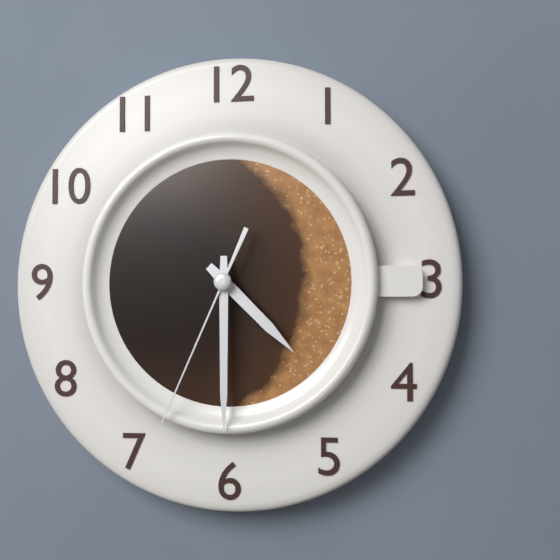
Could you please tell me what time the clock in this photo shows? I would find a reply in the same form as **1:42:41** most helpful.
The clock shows **4:30:34**
